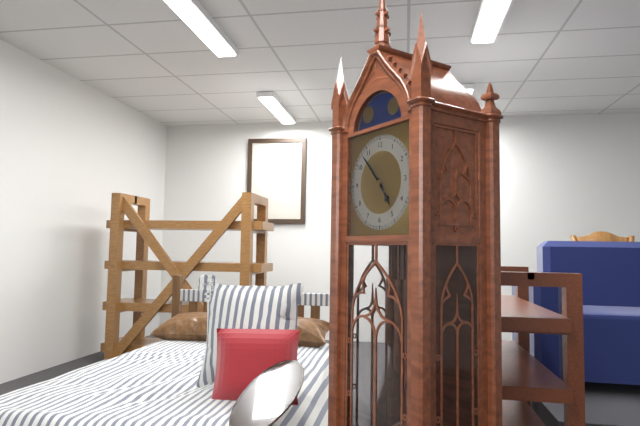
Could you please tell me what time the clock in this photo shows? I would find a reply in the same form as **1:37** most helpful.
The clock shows **4:53**
